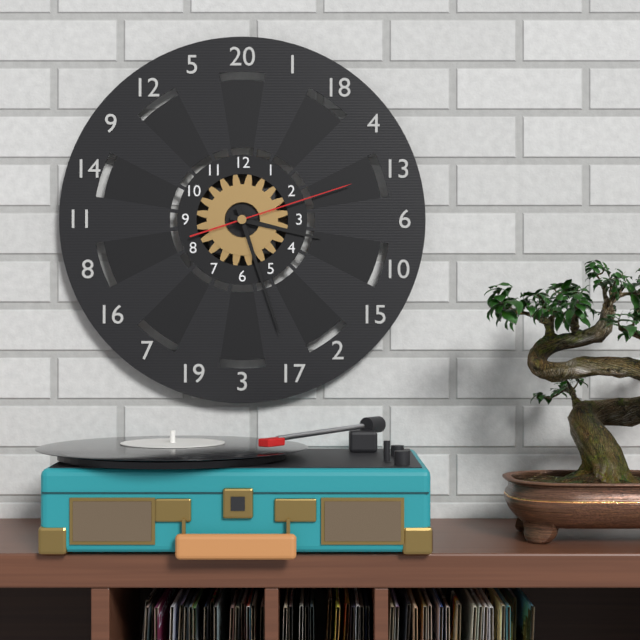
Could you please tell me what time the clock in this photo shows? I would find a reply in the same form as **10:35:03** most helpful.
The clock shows **3:27:12**
